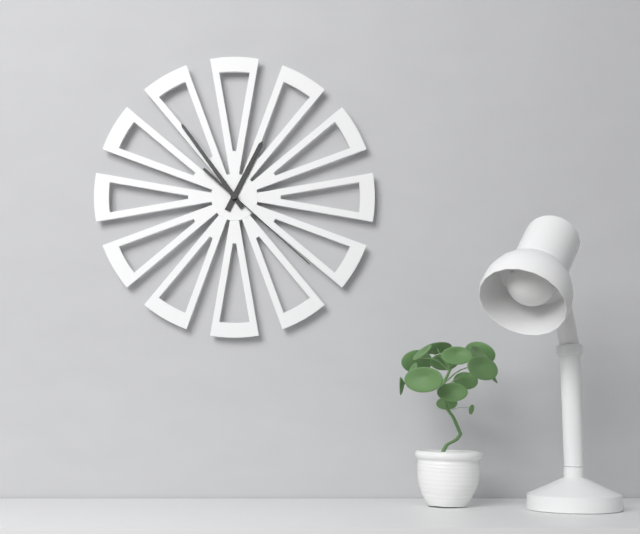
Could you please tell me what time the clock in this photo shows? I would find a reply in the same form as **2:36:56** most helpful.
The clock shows **12:54:22**
